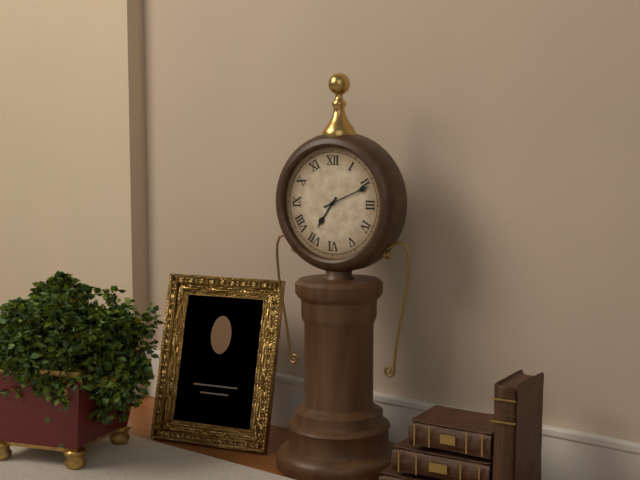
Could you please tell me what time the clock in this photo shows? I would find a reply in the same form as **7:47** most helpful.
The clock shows **7:11**
